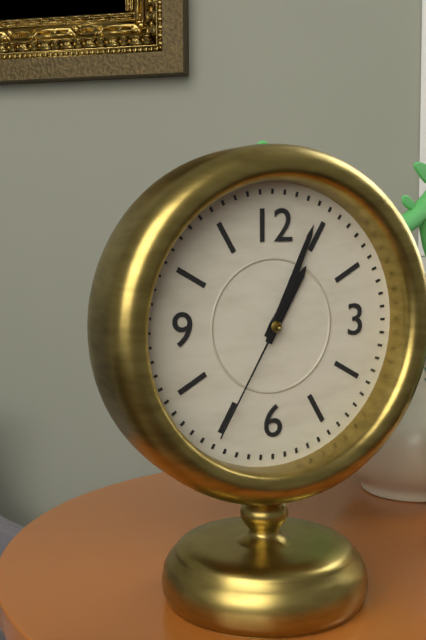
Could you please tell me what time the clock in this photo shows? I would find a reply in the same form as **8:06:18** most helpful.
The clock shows **1:04:35**
